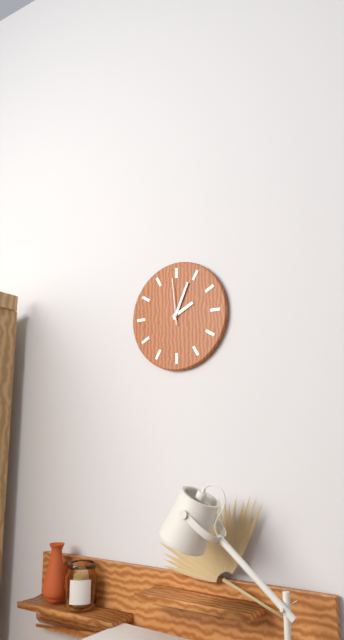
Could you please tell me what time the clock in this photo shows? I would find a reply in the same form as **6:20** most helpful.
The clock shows **2:04**
